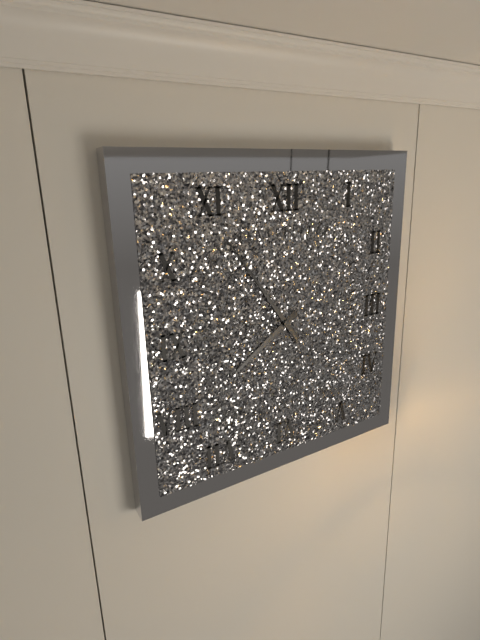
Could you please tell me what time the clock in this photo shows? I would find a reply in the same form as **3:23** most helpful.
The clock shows **7:54**
